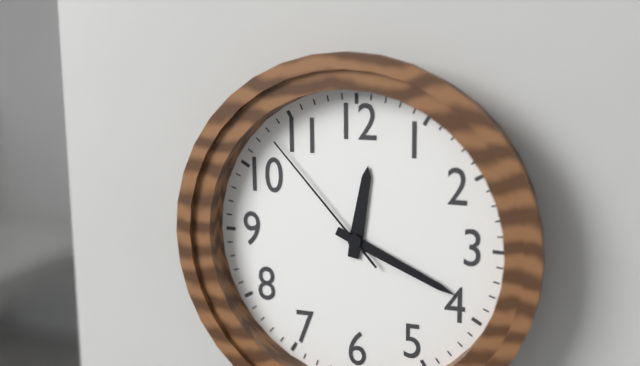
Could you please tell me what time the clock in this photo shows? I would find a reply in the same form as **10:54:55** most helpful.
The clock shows **12:19:53**
